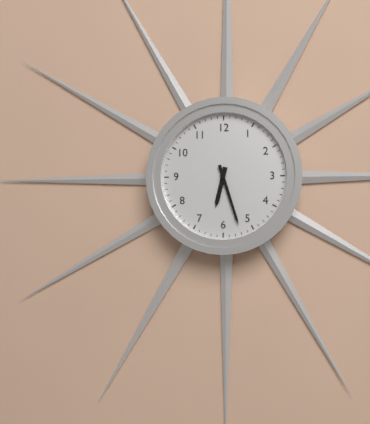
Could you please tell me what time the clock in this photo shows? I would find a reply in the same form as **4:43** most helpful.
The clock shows **6:27**
